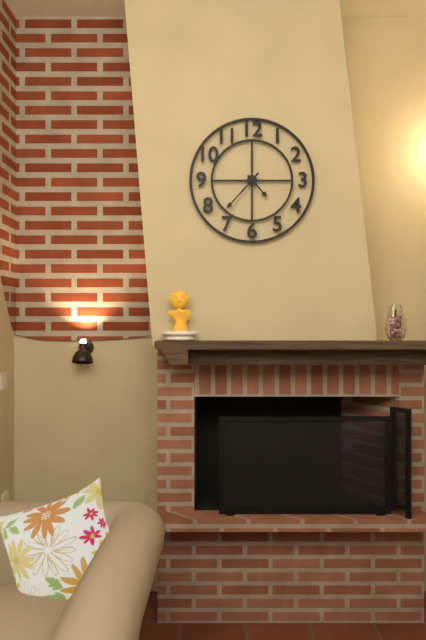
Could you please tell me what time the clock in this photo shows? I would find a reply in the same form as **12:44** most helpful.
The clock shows **4:37**
